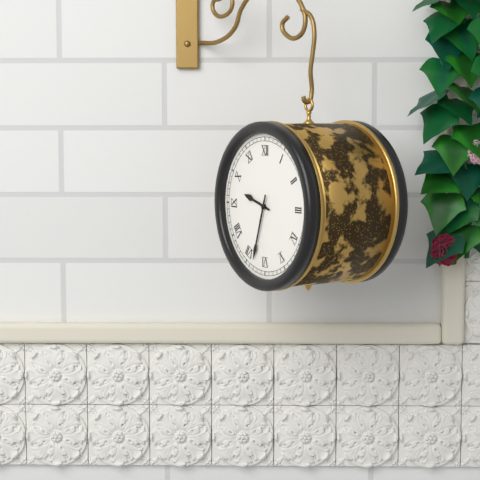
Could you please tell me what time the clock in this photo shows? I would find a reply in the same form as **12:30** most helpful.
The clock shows **9:33**
